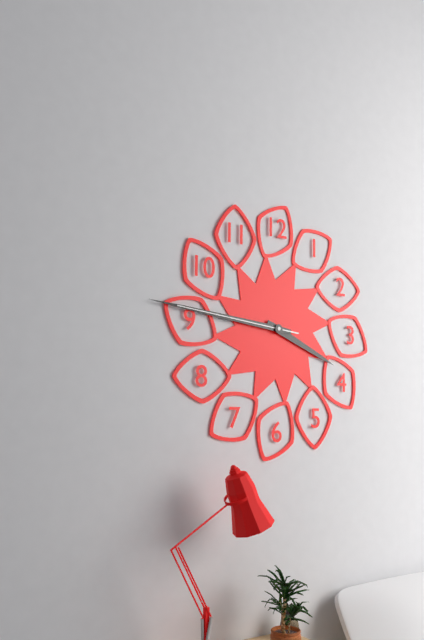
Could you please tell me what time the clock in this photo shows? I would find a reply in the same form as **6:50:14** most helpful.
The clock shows **3:46:46**
